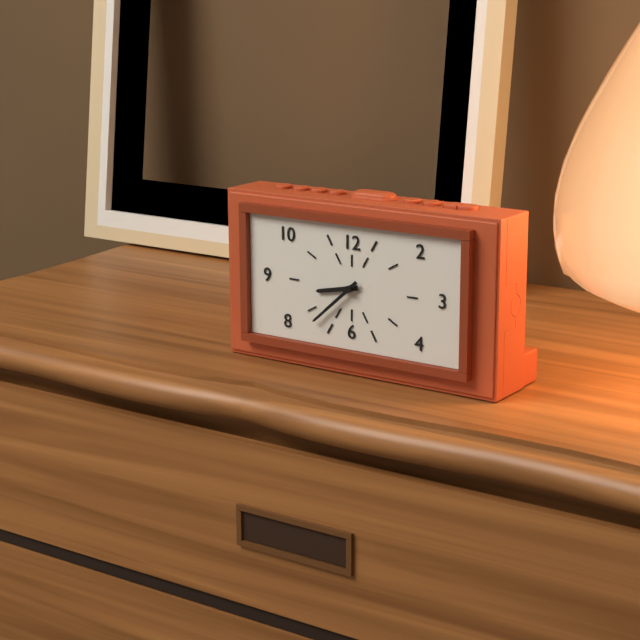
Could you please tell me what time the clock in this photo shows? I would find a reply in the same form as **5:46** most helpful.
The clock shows **8:38**
